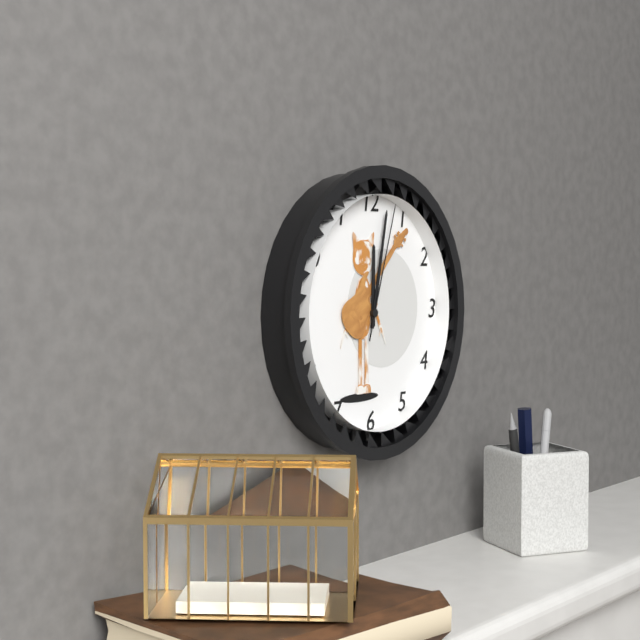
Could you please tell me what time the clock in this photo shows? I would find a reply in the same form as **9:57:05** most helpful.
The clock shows **12:02:03**
